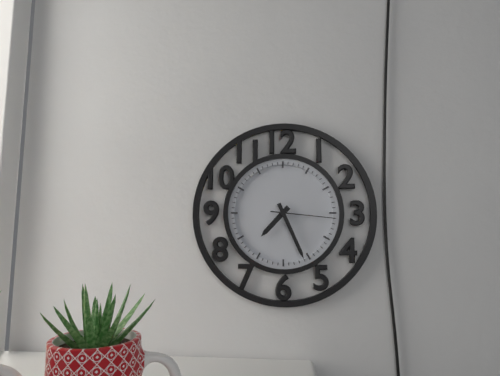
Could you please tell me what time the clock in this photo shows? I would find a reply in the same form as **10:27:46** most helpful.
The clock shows **7:26:16**
